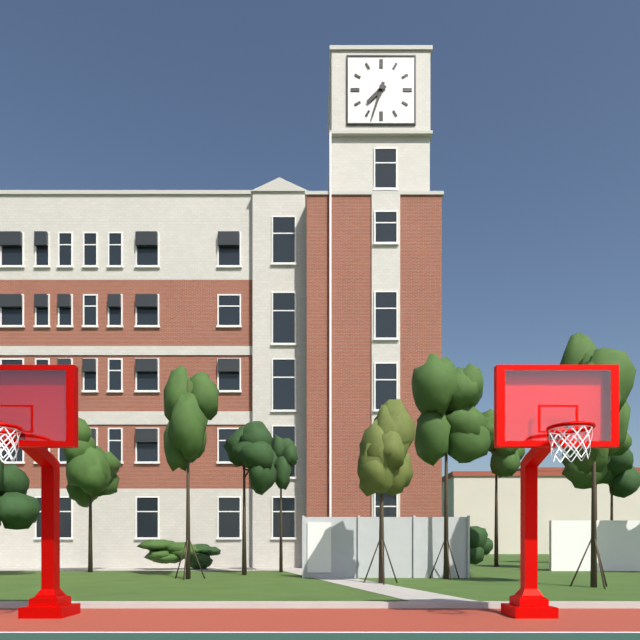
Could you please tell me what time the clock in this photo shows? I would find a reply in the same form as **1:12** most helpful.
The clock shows **7:33**
